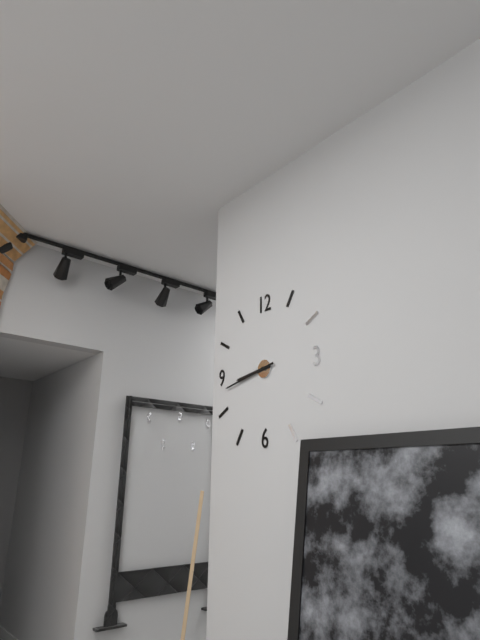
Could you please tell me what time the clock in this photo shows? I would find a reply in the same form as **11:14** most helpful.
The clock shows **8:43**
